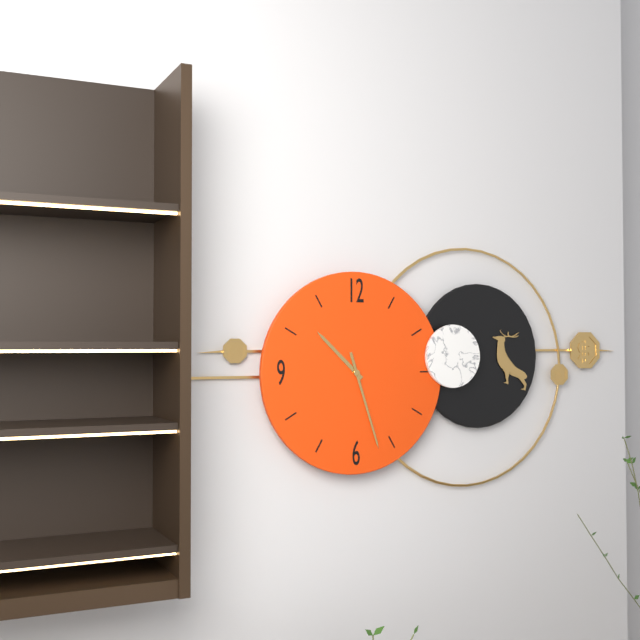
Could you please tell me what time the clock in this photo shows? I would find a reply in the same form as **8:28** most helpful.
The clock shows **10:27**
